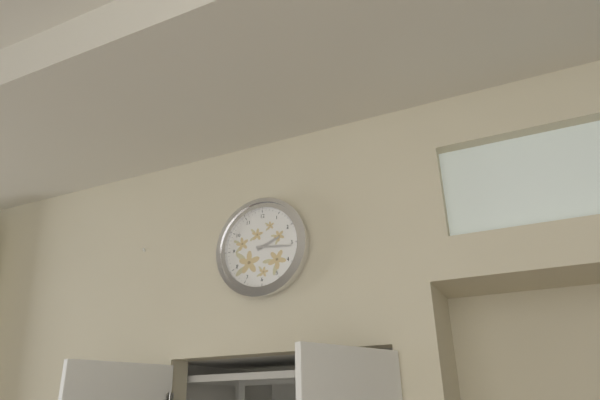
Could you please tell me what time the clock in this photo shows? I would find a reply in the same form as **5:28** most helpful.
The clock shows **2:16**
